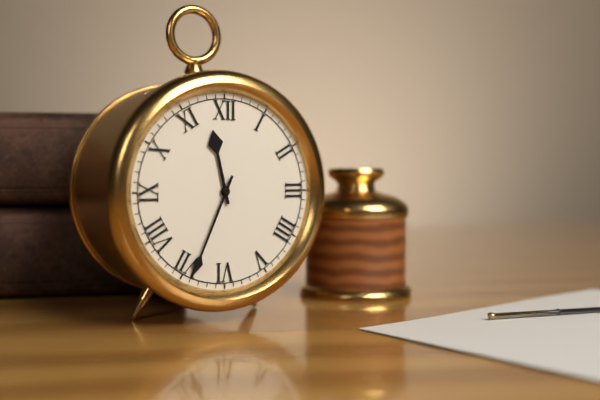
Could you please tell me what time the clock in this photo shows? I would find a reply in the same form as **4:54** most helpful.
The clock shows **11:34**
